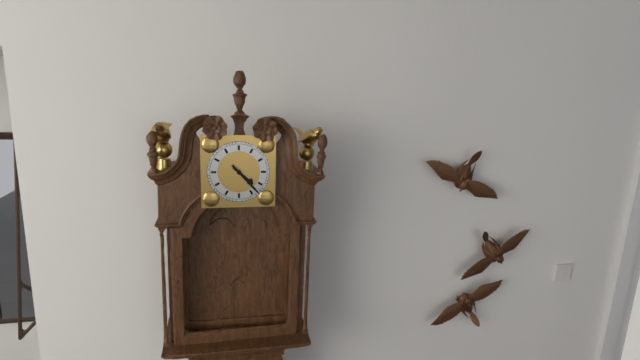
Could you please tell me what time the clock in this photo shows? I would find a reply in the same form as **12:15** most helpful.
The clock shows **4:23**
